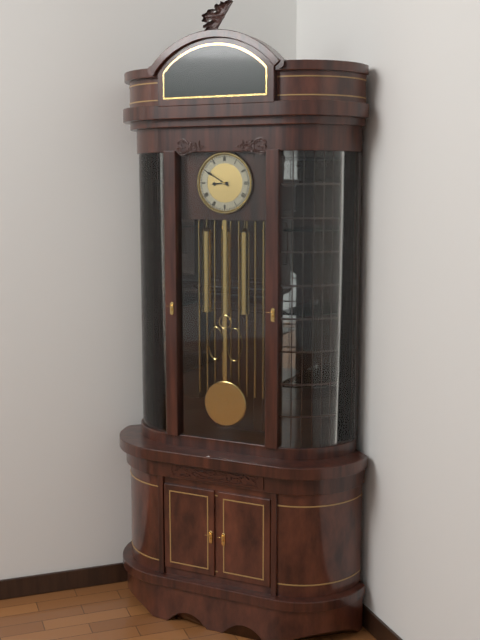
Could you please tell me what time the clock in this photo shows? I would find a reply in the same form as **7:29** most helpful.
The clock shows **8:50**
